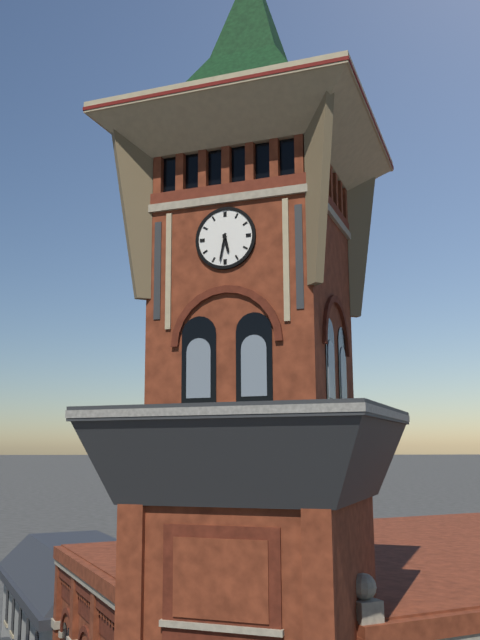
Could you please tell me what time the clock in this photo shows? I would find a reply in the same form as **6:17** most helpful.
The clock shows **5:32**
